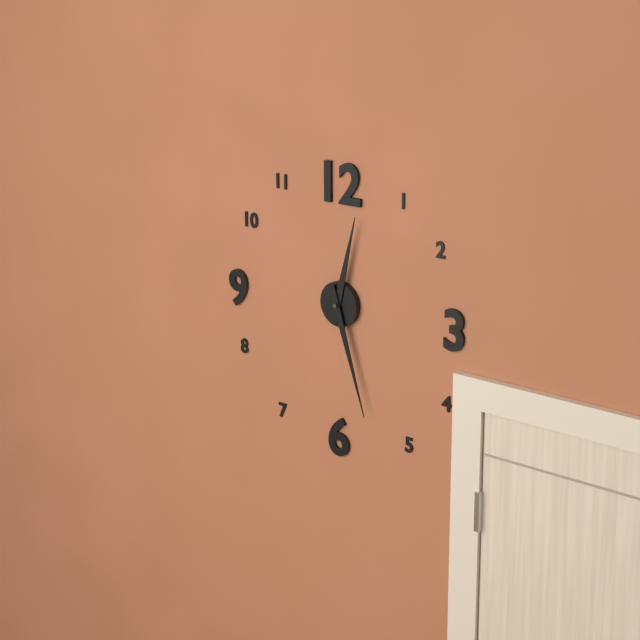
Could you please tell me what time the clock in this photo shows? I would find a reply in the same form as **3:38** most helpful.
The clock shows **12:27**
